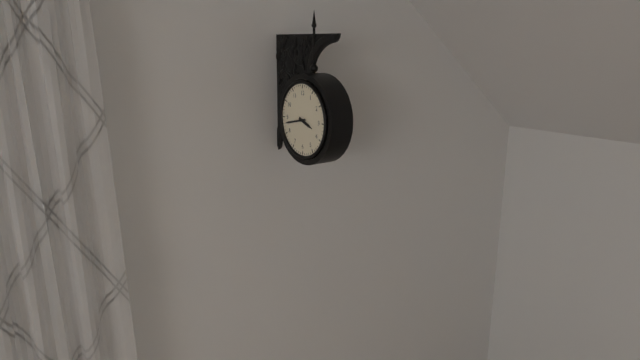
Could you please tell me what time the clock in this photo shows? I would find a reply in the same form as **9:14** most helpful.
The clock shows **3:43**
